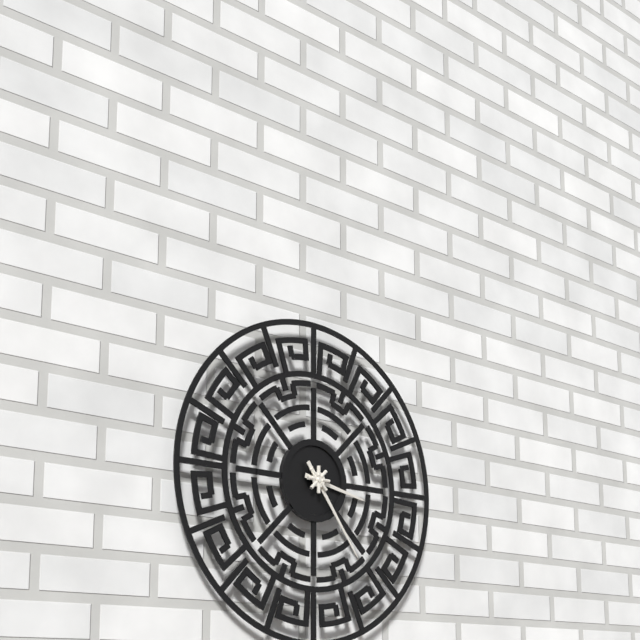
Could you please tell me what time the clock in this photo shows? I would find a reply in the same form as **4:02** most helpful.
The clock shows **3:24**
